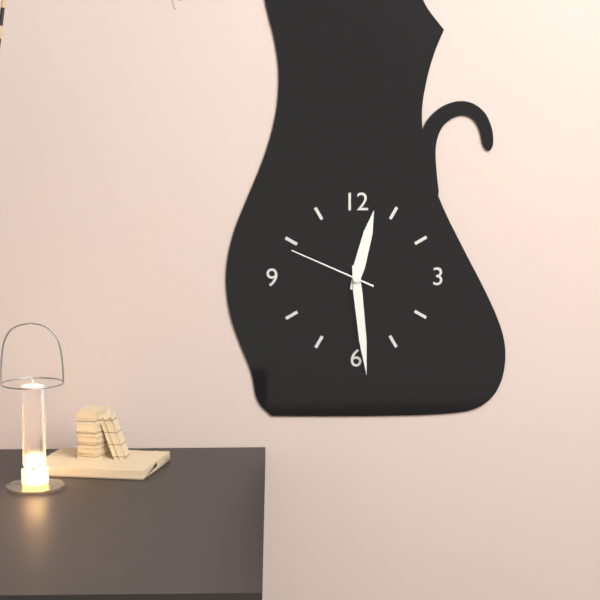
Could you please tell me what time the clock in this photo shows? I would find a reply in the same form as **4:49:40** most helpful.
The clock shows **12:29:49**
